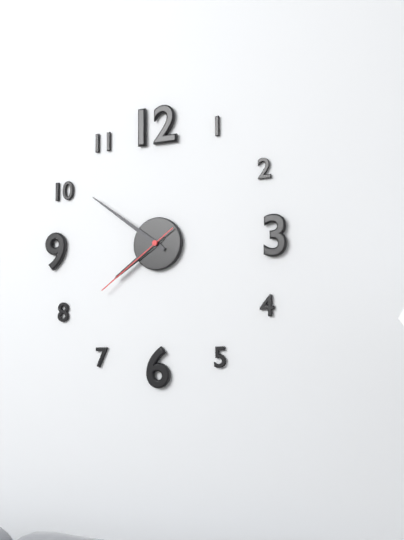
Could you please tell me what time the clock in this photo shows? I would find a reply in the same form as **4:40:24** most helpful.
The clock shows **7:51:39**
